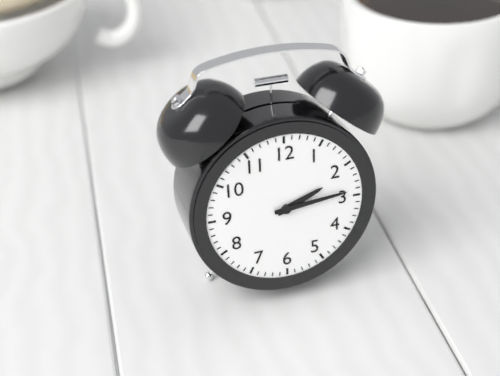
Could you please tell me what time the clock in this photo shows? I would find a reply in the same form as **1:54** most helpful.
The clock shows **2:14**
